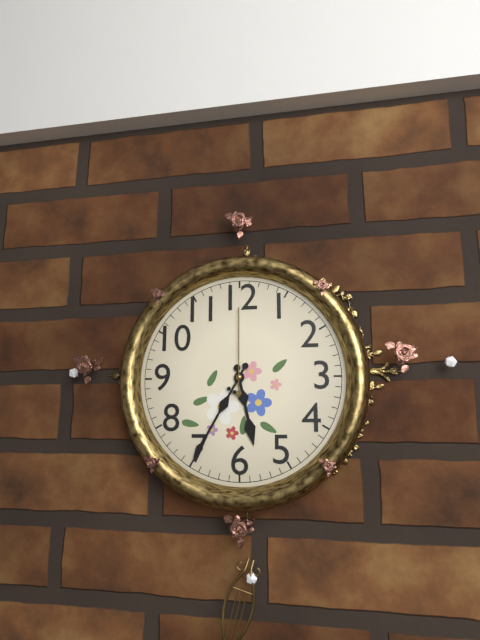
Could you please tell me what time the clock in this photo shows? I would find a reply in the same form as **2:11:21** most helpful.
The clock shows **5:35:00**
